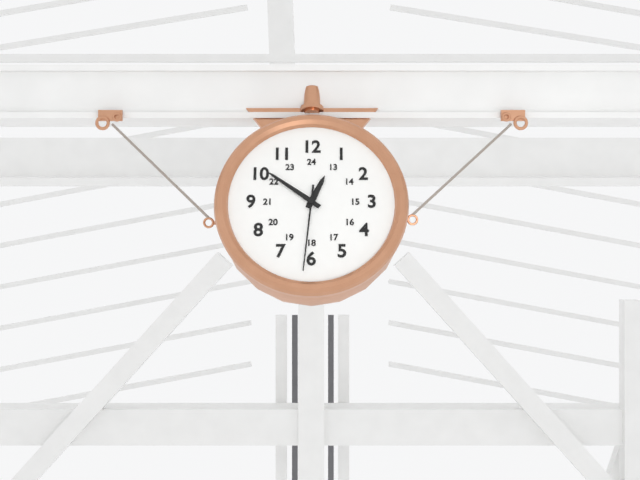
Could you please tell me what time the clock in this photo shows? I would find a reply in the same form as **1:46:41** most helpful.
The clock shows **12:51:31**
